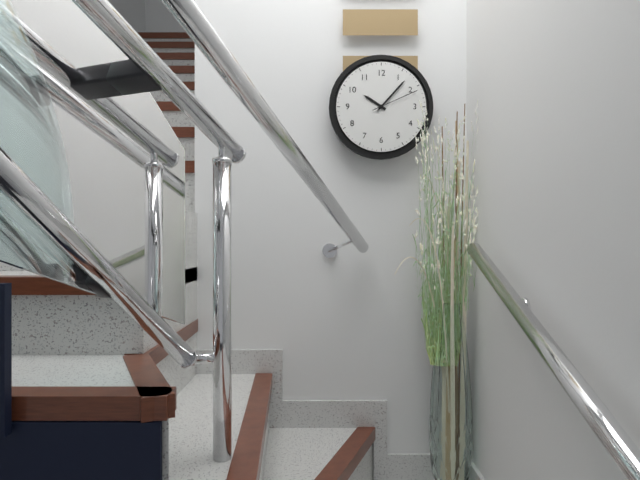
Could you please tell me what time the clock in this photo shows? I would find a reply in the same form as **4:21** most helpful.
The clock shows **10:07**
